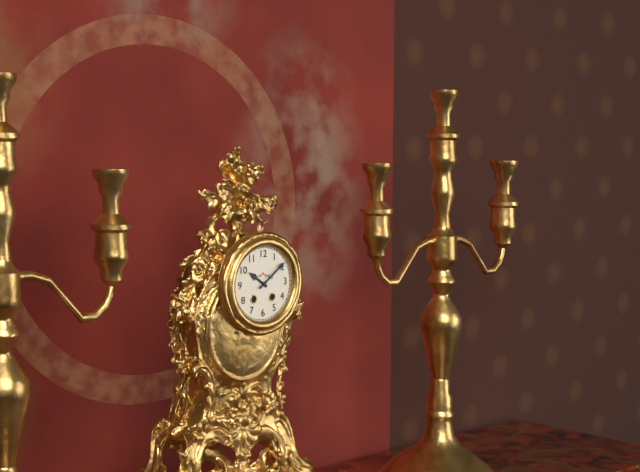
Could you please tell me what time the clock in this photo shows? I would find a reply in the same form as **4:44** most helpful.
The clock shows **10:09**
